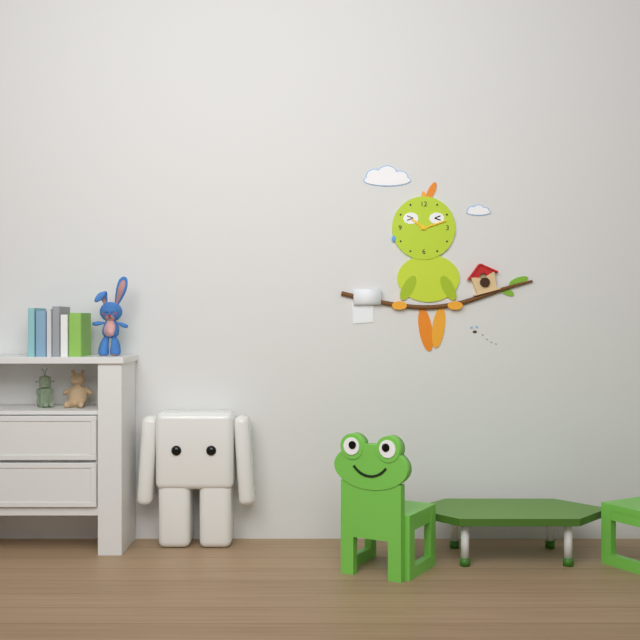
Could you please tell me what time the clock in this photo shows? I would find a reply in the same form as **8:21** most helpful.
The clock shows **10:12**
